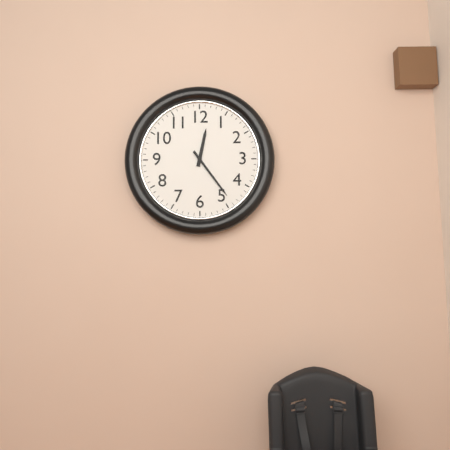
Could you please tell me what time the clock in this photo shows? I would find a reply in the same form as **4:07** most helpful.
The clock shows **12:24**
